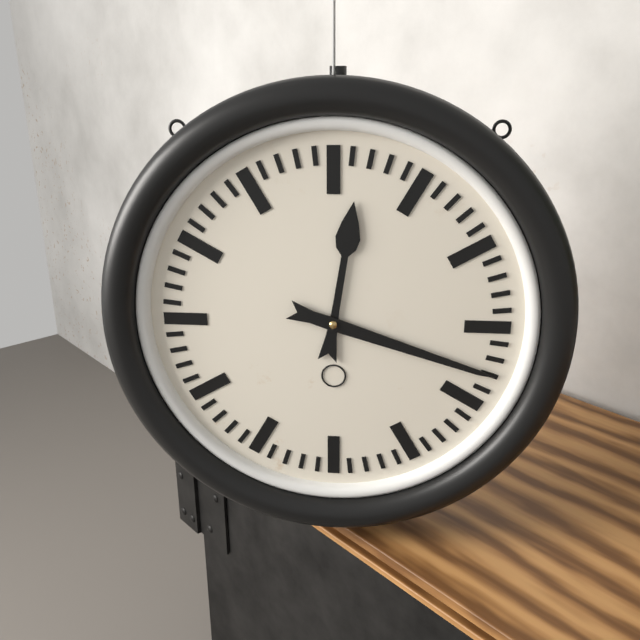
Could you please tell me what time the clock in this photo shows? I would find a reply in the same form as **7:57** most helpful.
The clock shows **12:18**
